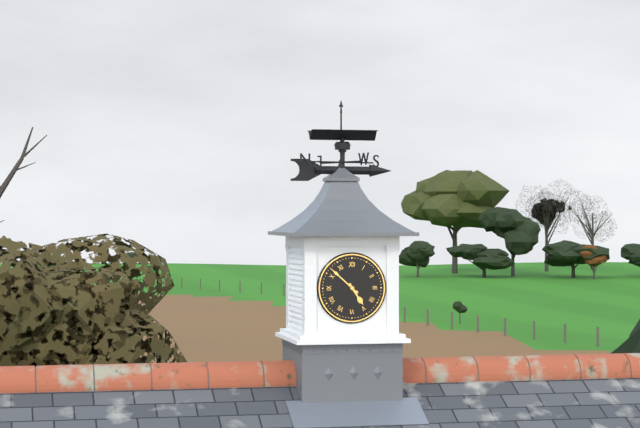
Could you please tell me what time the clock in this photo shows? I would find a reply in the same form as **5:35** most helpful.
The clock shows **4:52**
